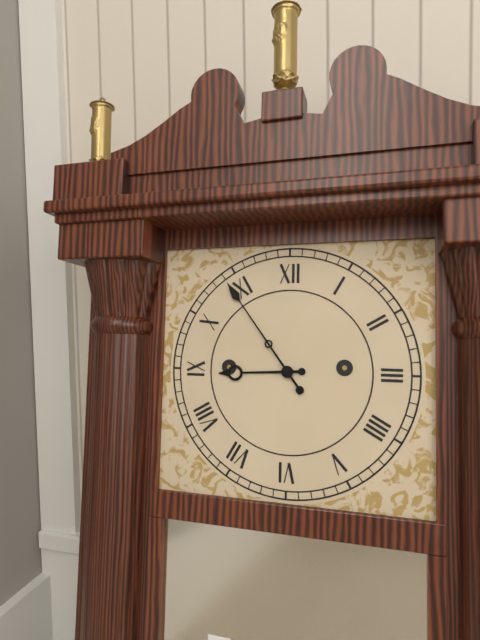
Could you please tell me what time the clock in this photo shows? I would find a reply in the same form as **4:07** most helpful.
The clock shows **8:54**
